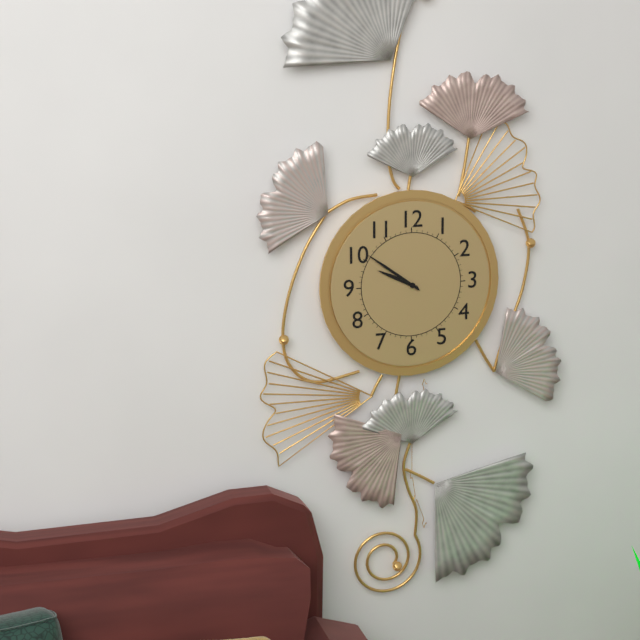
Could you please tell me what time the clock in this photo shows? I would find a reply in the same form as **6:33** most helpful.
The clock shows **9:51**
